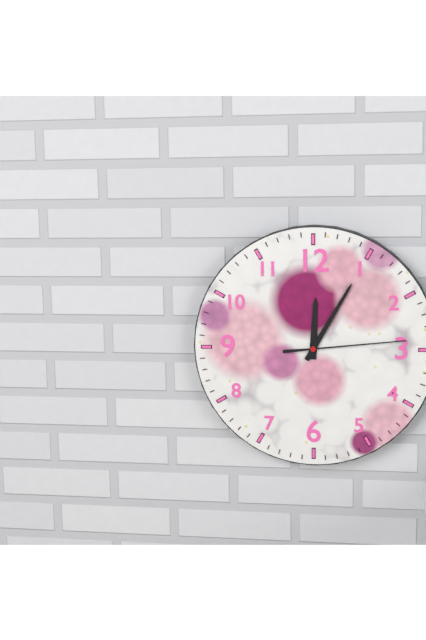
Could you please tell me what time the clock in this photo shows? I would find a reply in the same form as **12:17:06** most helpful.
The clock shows **12:05:14**
